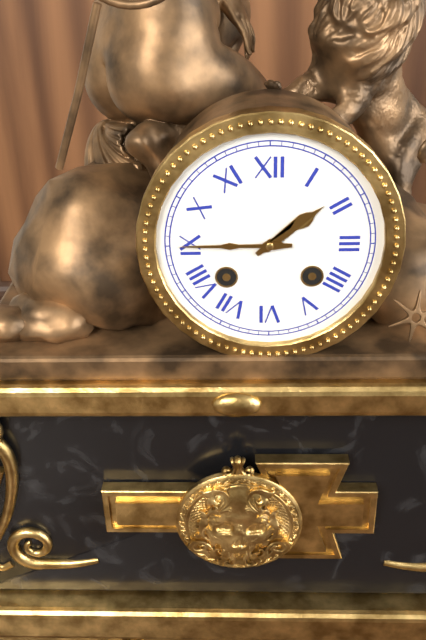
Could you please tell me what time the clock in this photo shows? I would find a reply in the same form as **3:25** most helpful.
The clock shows **1:45**
